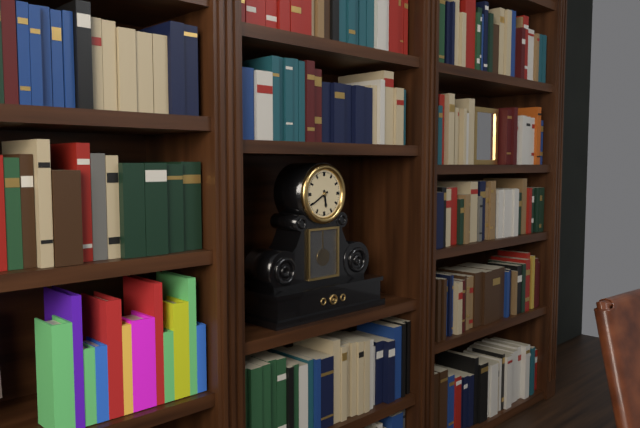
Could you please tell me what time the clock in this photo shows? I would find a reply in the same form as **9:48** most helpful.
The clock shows **5:40**
